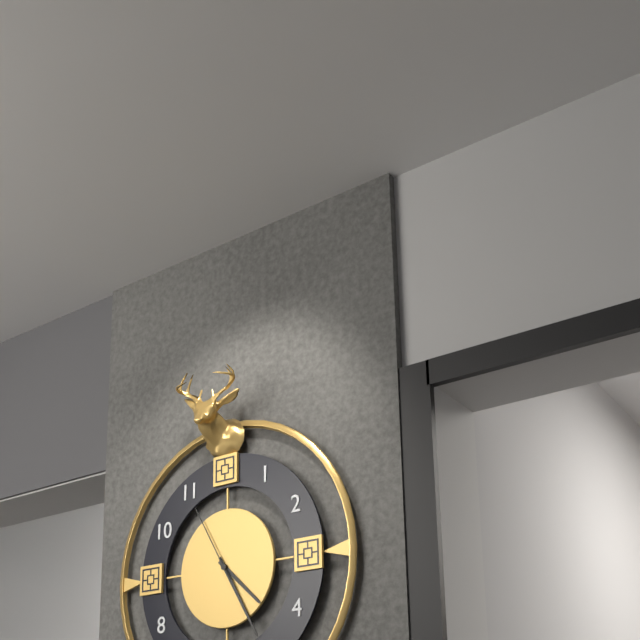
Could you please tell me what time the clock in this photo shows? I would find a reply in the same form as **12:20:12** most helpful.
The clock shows **4:25:55**
